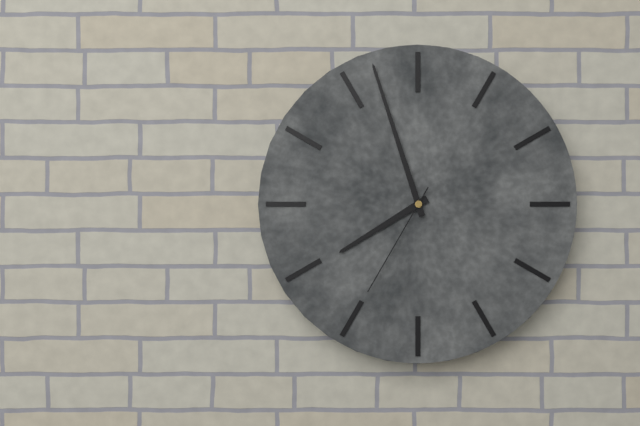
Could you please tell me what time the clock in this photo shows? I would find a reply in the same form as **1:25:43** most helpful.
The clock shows **7:57:35**
